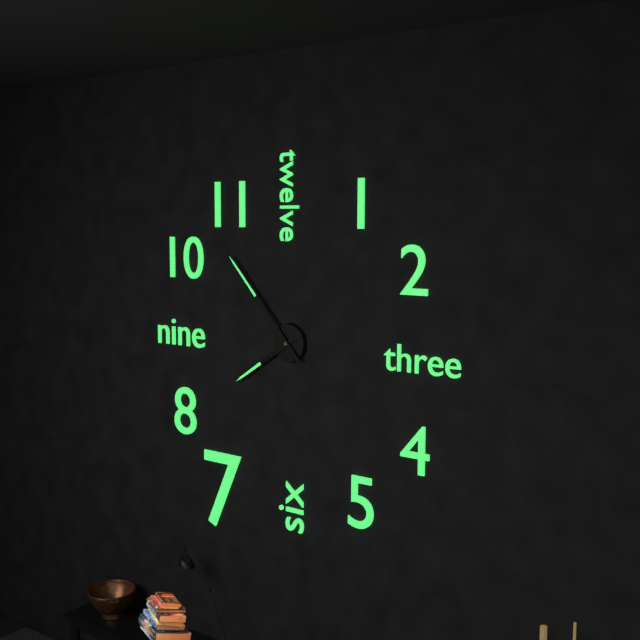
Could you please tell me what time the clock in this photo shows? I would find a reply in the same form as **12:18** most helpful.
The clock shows **7:53**
